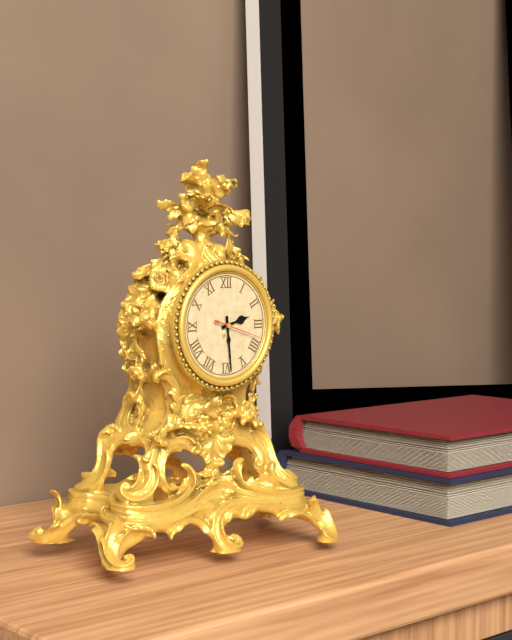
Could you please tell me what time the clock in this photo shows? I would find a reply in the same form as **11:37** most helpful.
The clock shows **2:29**
